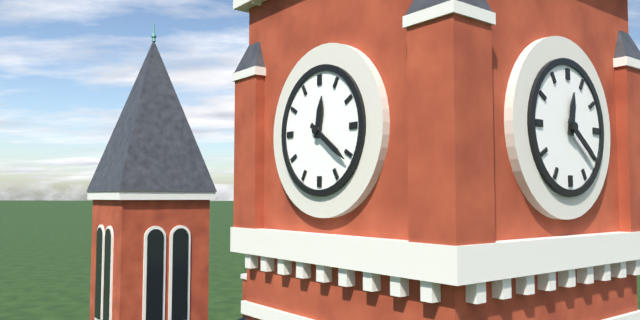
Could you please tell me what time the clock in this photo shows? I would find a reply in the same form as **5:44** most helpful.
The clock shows **12:21**
